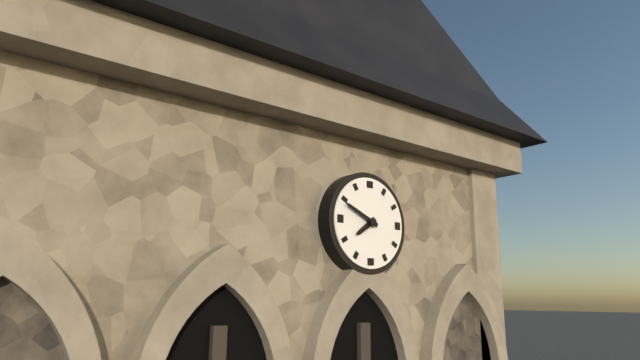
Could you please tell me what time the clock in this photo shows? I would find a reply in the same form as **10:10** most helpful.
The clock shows **7:49**
